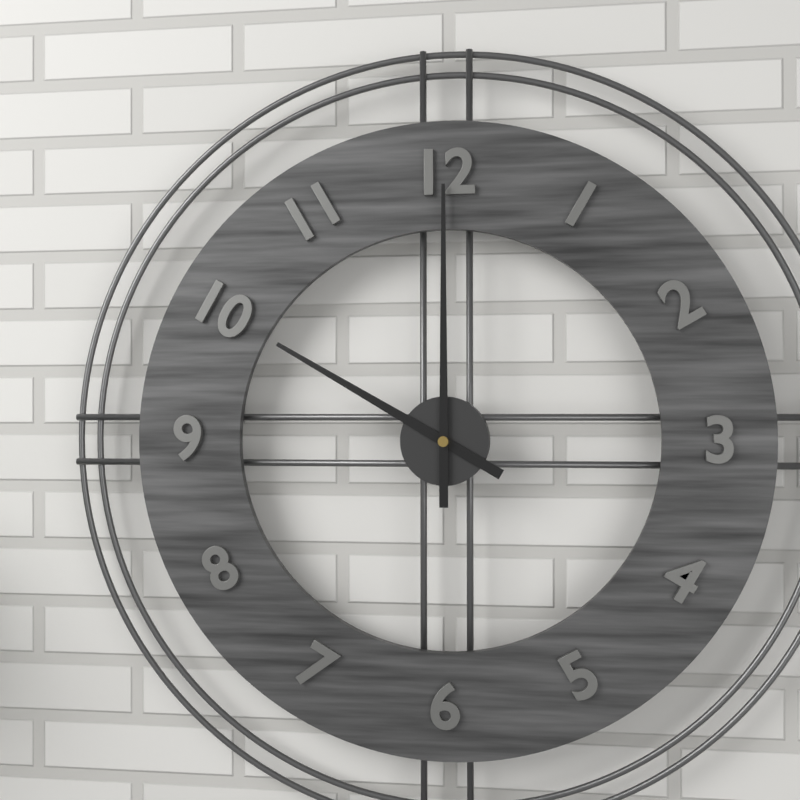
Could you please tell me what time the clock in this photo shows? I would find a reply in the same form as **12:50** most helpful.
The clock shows **10:00**
